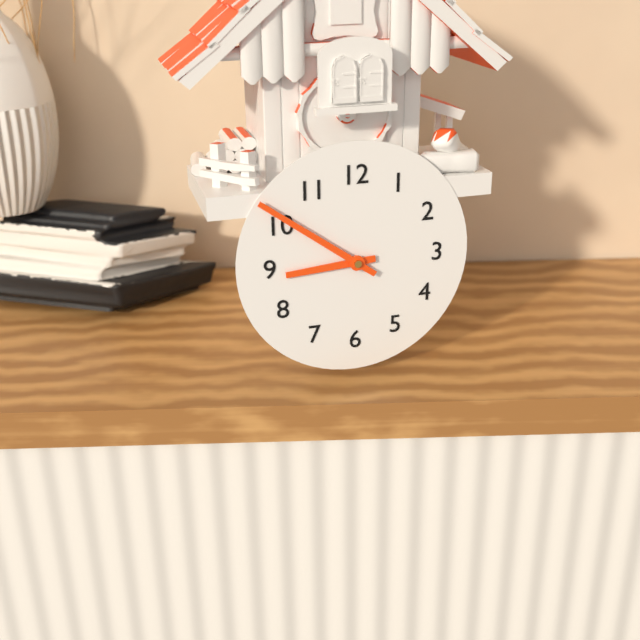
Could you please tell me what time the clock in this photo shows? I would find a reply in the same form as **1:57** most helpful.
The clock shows **8:51**
